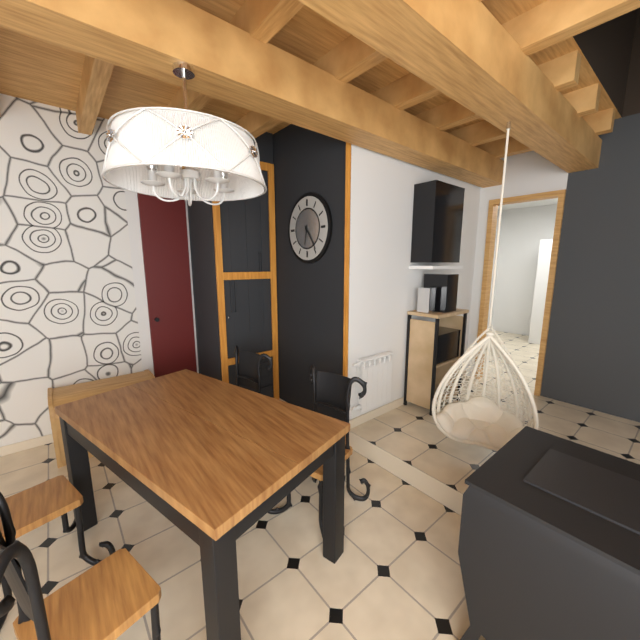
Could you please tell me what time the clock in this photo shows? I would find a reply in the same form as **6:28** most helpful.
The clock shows **6:24**
